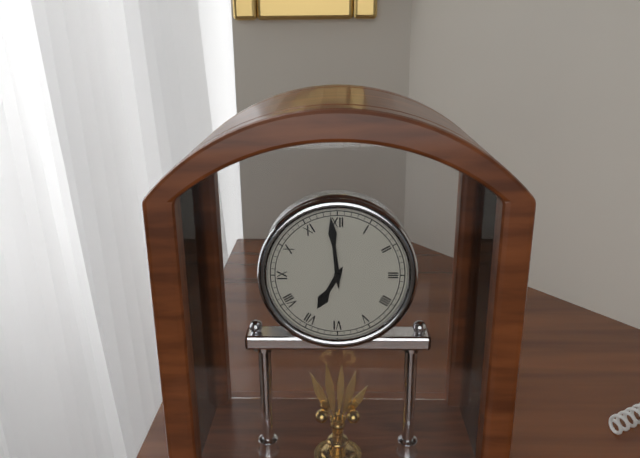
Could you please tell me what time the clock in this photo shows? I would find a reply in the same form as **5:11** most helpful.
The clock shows **6:59**
